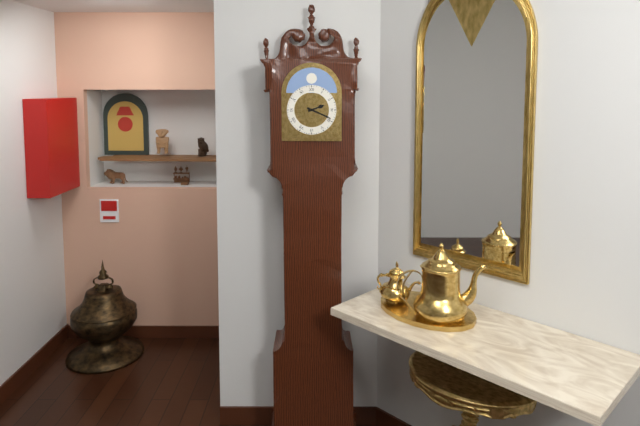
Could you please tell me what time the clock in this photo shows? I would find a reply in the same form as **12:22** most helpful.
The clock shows **2:19**
